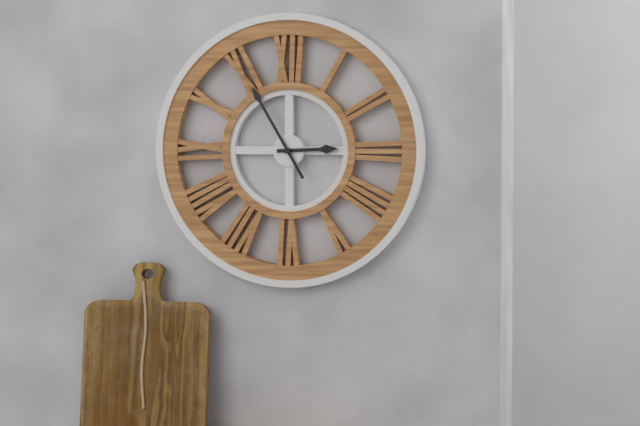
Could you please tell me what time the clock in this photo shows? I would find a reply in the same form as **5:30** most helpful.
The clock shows **2:55**
